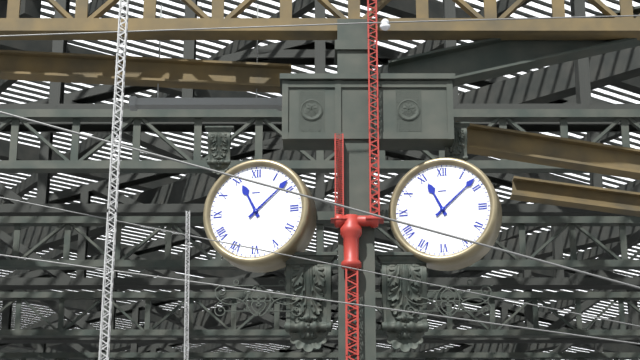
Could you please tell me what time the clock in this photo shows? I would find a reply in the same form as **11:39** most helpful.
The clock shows **11:08**
